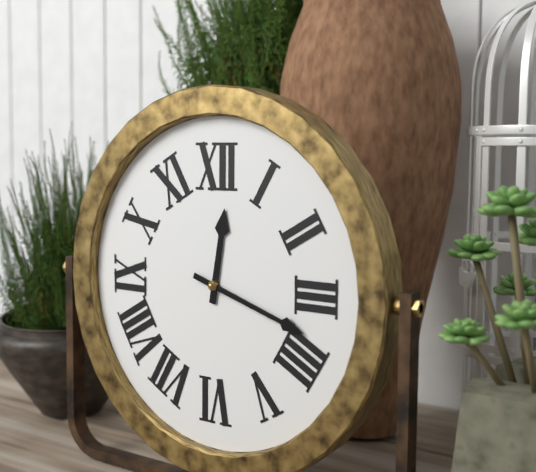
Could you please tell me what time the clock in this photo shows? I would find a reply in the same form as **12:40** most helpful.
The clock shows **12:18**
